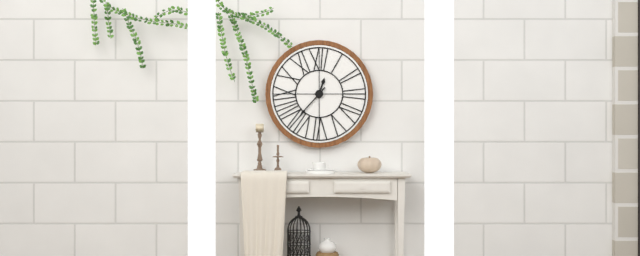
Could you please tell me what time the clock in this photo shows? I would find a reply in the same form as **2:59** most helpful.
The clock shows **12:37**
